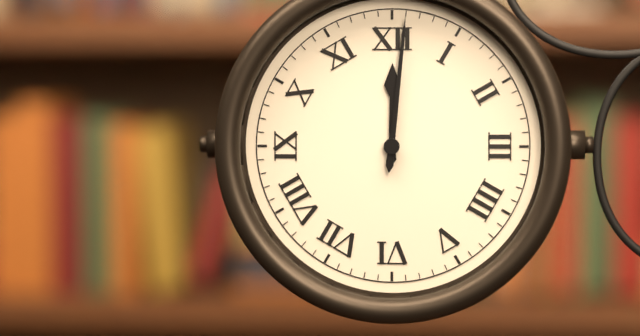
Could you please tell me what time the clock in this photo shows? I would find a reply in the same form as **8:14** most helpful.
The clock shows **12:01**
